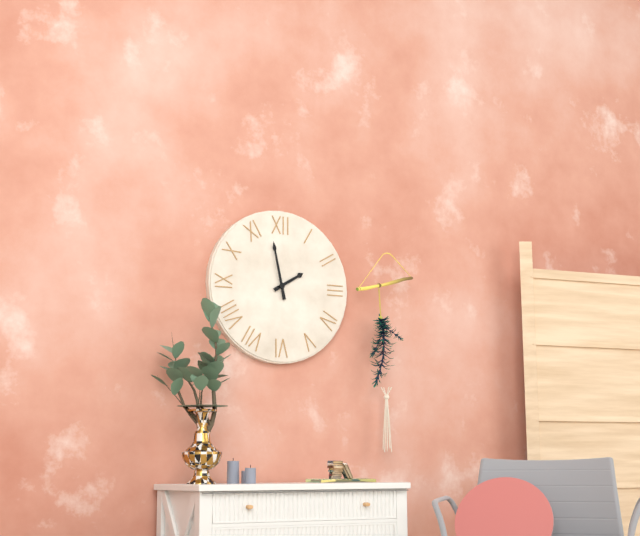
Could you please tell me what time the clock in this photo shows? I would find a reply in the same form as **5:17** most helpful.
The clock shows **1:58**
